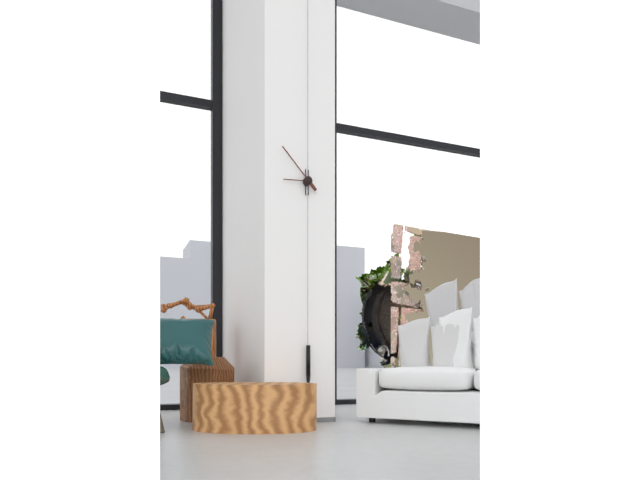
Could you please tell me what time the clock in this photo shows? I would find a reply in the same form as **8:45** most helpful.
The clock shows **8:53**
